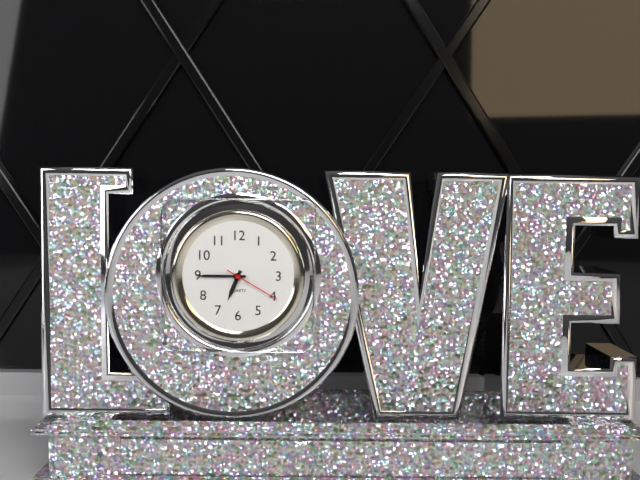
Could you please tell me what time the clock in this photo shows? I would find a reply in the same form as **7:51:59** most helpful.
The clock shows **6:45:20**
